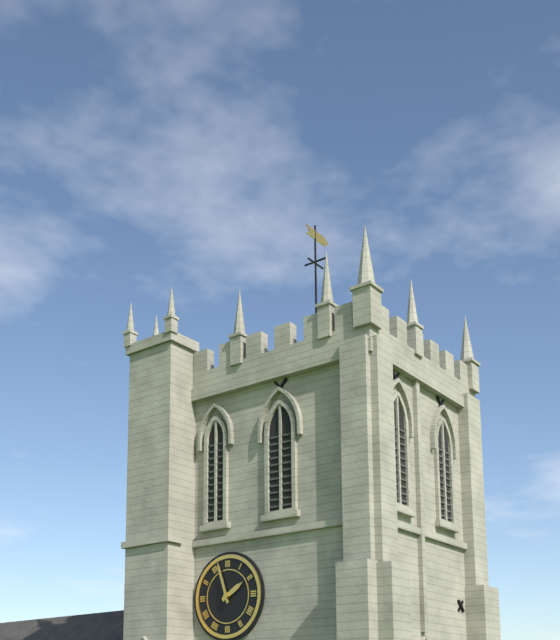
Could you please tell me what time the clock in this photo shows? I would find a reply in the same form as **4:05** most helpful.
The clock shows **1:57**
